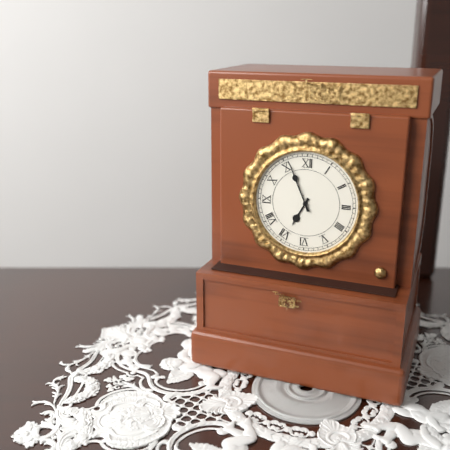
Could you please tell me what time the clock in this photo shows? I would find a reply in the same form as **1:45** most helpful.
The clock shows **6:56**
